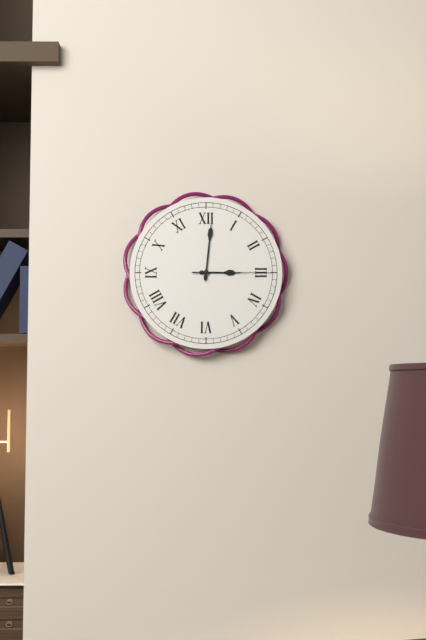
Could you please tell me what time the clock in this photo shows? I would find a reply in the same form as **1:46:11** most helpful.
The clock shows **3:01:15**
